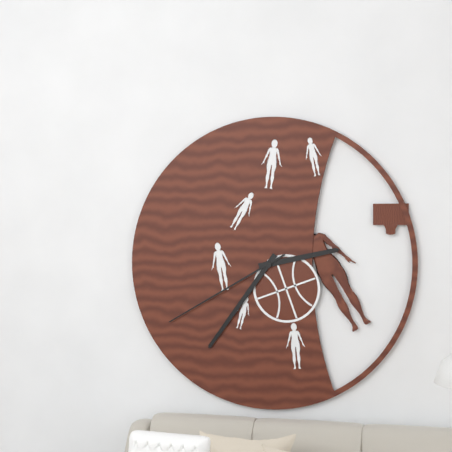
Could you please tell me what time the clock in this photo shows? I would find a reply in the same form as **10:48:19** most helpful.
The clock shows **2:36:40**
